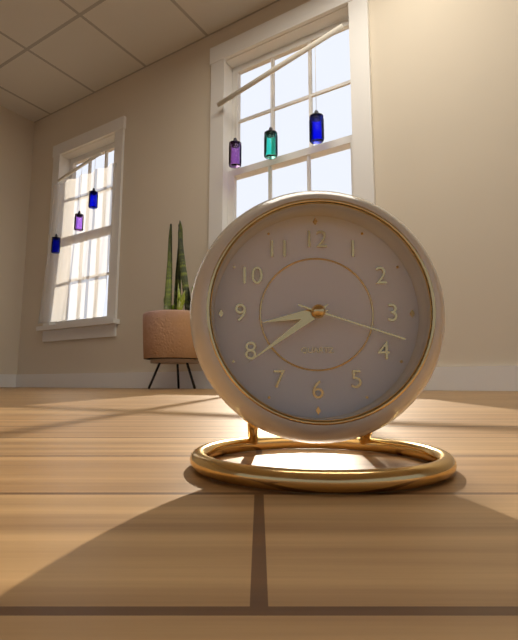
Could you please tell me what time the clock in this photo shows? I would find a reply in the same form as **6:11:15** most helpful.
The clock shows **8:39:18**
